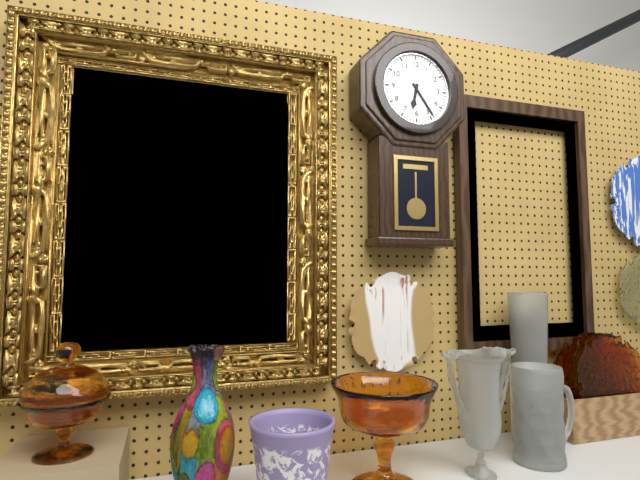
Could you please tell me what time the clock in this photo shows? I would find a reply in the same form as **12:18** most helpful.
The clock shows **6:24**
